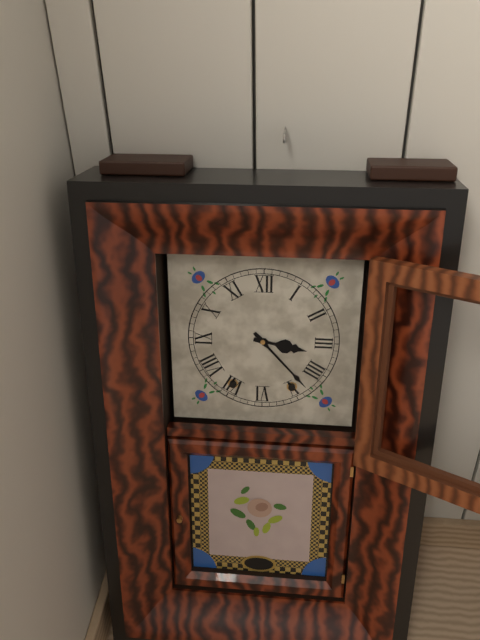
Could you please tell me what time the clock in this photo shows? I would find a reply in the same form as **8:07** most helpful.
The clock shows **3:23**
